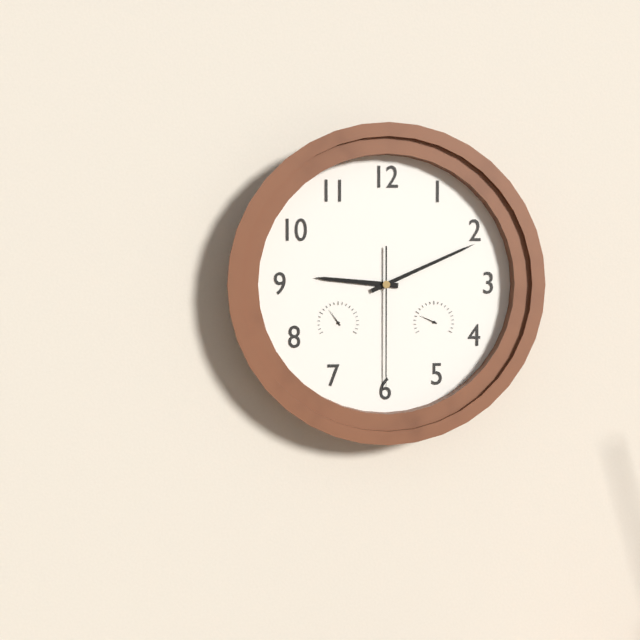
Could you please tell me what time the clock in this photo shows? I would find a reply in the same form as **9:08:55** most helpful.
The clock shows **9:11:30**
